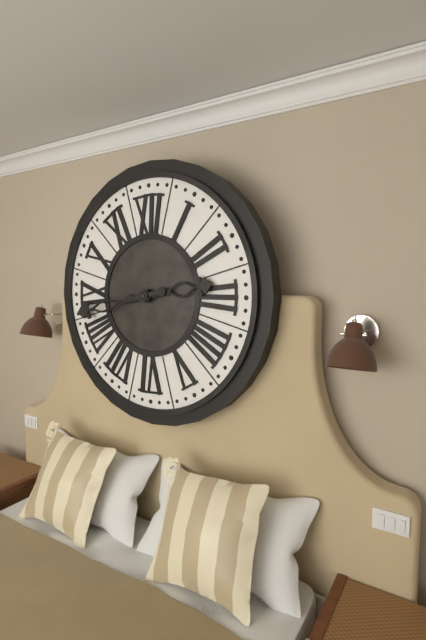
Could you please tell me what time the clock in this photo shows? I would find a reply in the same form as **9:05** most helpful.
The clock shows **2:43**
